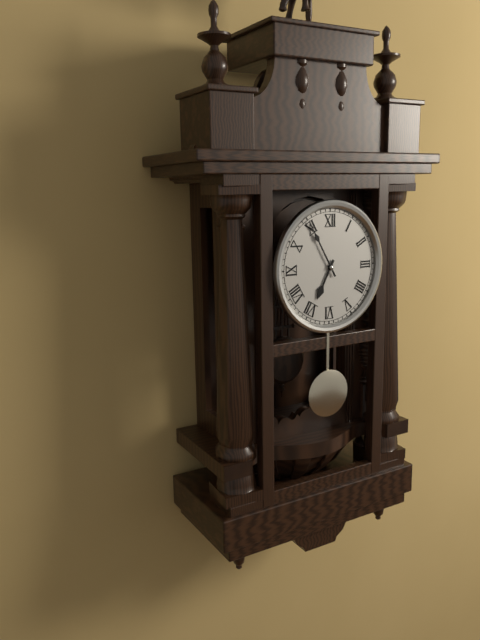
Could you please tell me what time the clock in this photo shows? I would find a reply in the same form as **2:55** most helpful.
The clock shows **6:55**
